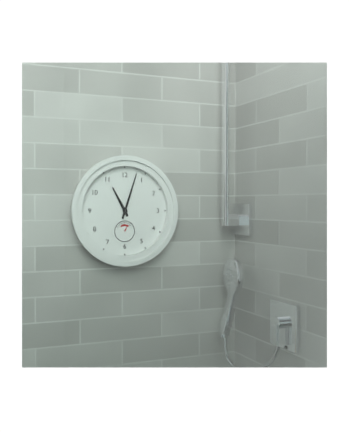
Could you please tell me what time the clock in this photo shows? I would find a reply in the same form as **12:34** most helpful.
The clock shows **11:03**
